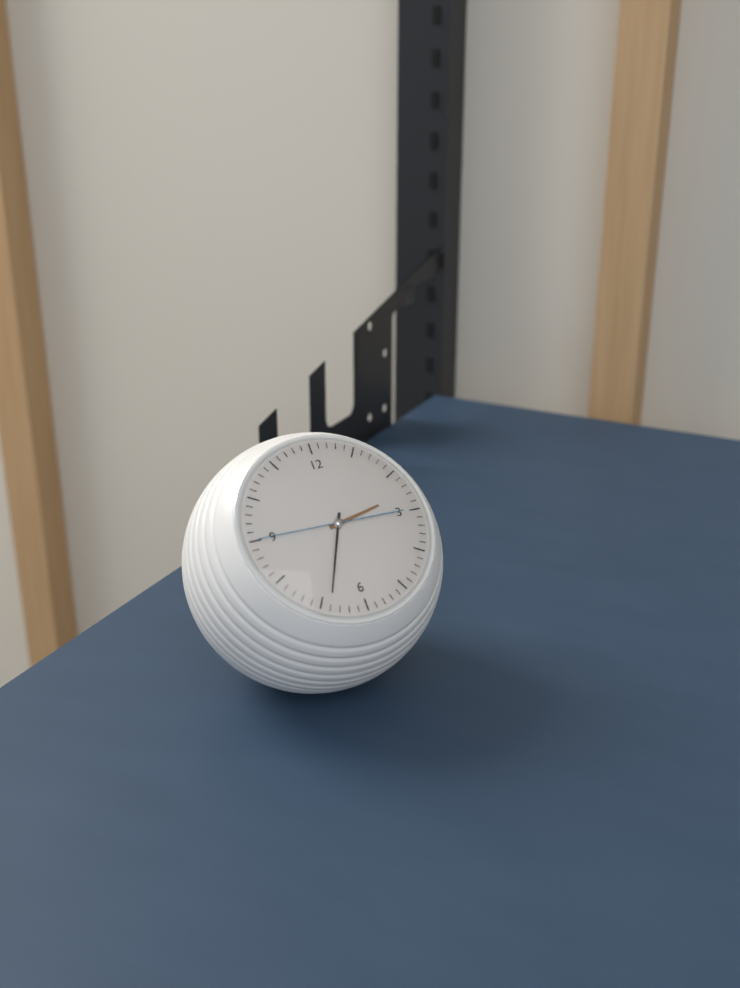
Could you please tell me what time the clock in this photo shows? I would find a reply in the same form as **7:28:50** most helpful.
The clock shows **2:34:45**
